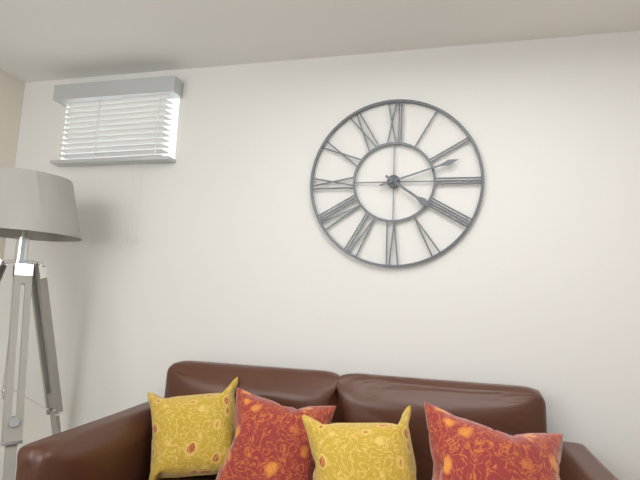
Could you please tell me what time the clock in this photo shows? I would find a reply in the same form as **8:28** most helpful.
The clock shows **4:12**
